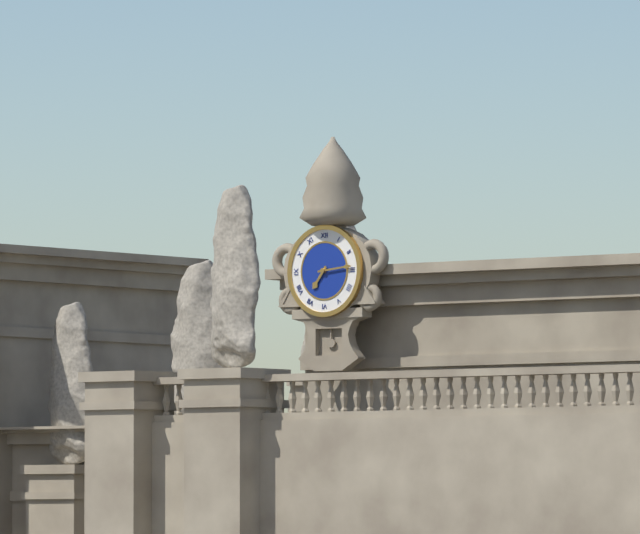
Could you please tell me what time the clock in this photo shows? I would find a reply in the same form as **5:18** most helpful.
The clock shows **7:14**
